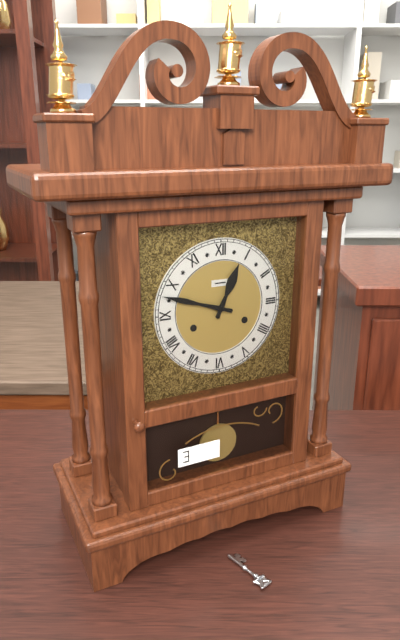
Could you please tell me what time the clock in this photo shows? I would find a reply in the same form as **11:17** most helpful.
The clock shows **12:48**
